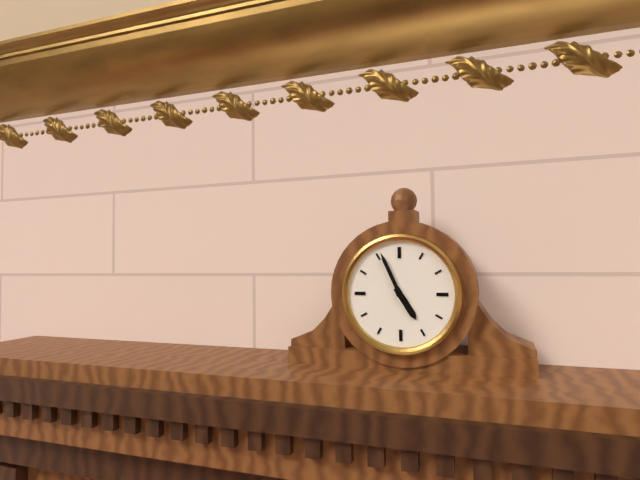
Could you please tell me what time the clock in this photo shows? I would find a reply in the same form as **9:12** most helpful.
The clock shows **4:56**
